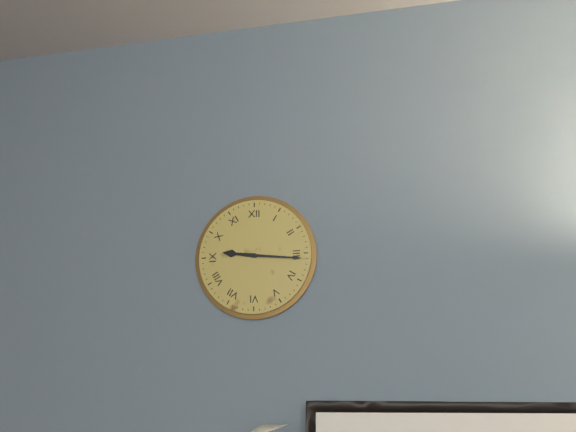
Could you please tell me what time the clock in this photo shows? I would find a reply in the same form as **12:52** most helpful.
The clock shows **9:16**
